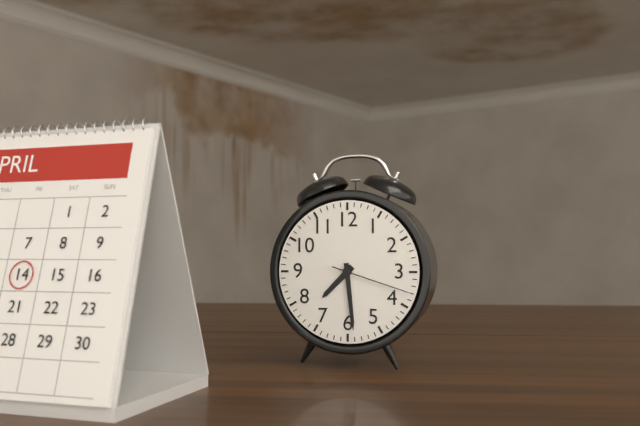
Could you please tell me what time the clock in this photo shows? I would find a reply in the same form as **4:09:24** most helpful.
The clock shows **7:29:18**
